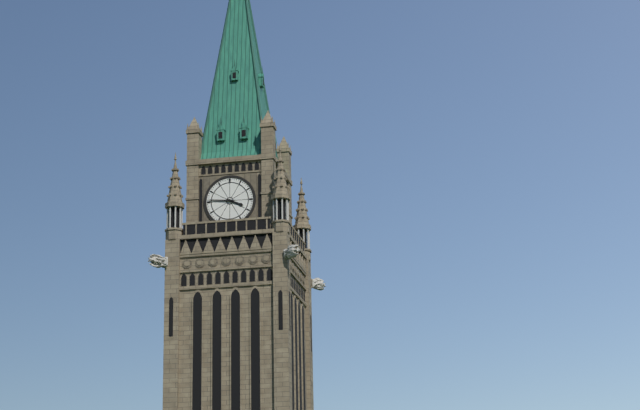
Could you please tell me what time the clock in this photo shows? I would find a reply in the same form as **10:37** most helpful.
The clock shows **3:46**
